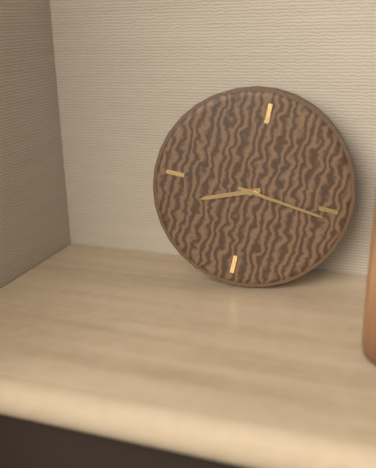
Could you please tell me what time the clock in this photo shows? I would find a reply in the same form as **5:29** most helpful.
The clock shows **8:16**
